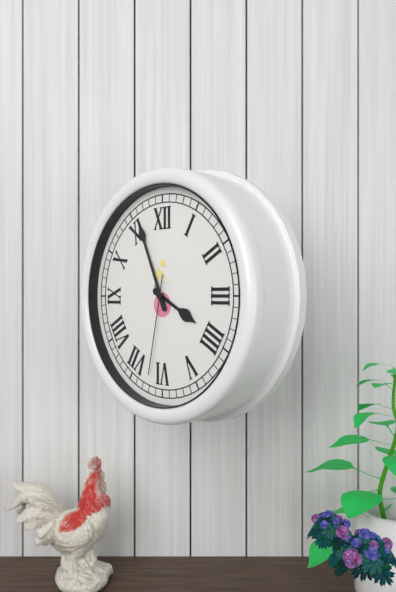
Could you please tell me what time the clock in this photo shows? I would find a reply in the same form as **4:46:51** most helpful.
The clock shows **3:56:32**
